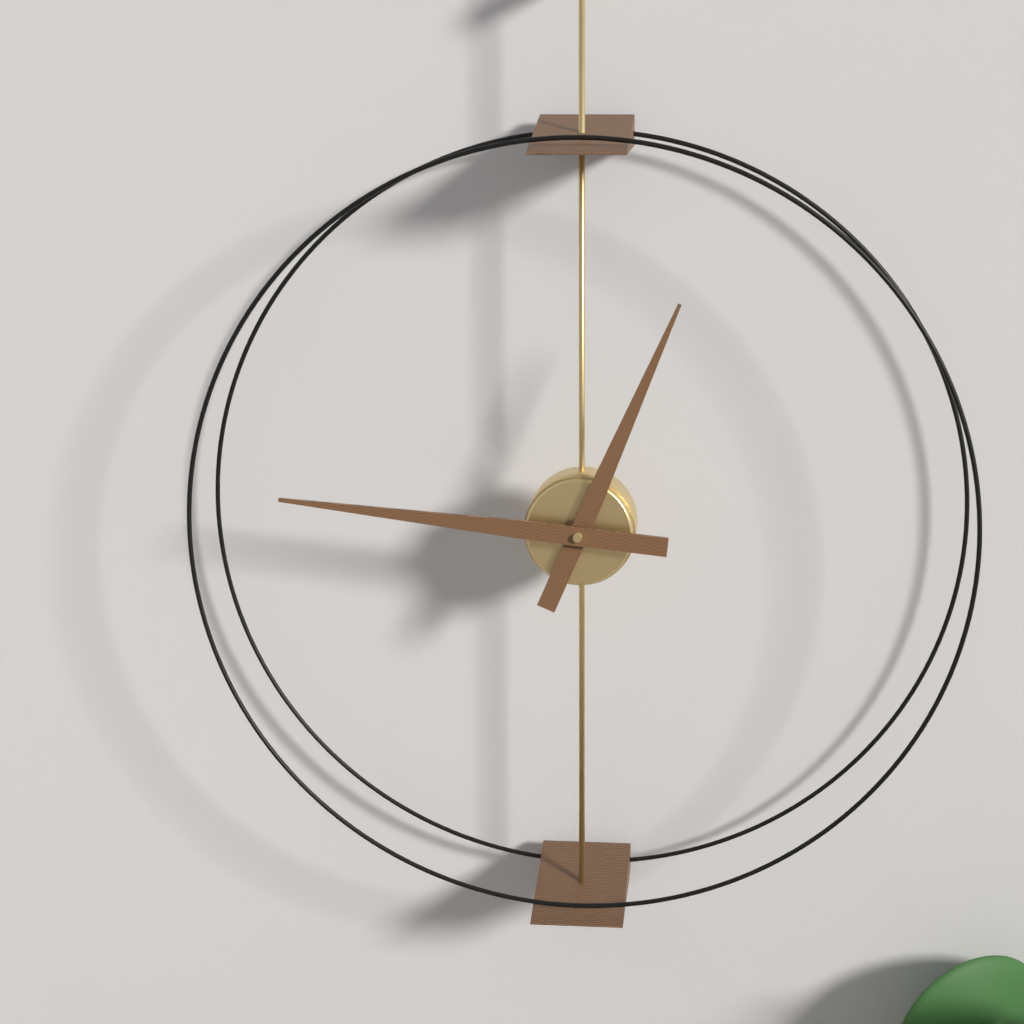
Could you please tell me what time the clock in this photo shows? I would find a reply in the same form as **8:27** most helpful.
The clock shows **12:46**
